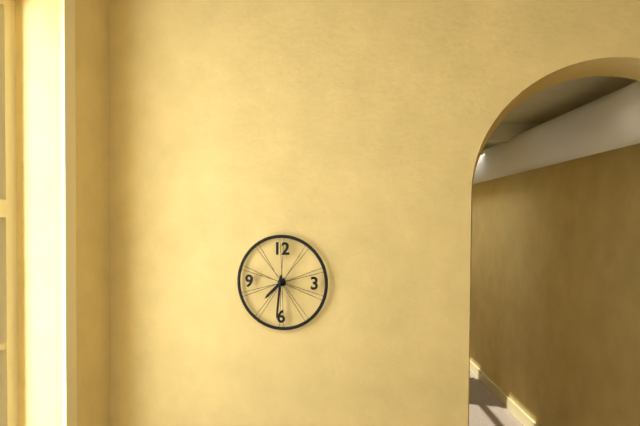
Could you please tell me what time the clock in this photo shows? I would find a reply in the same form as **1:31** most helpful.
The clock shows **7:31**
